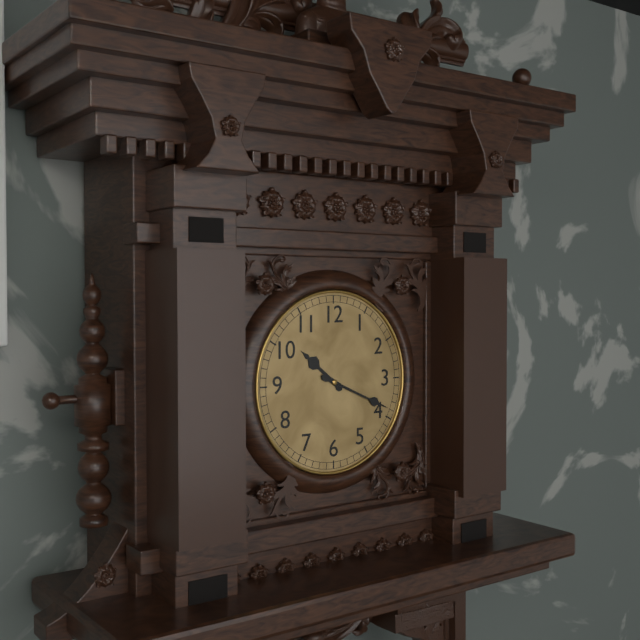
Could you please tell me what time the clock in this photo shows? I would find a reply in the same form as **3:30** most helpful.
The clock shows **10:19**
